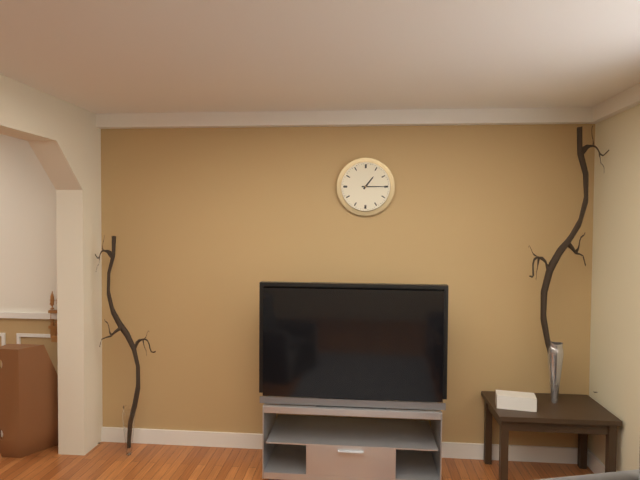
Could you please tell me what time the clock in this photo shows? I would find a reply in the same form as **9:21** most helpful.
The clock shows **1:15**
